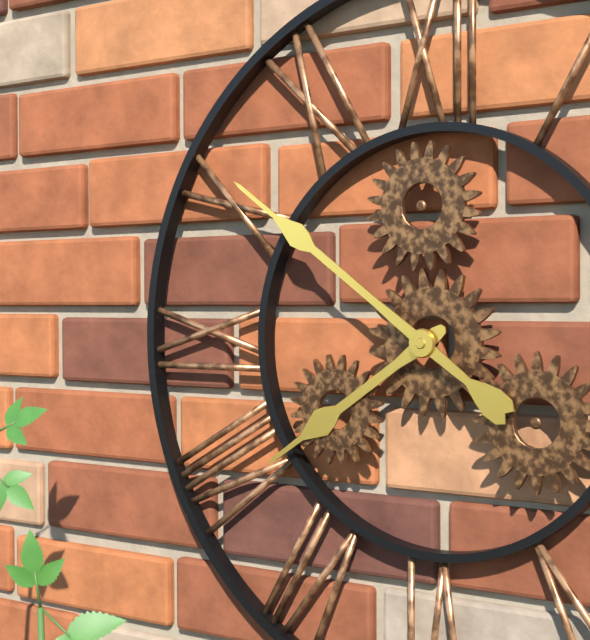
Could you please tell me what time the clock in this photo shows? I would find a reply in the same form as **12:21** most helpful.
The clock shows **7:51**
